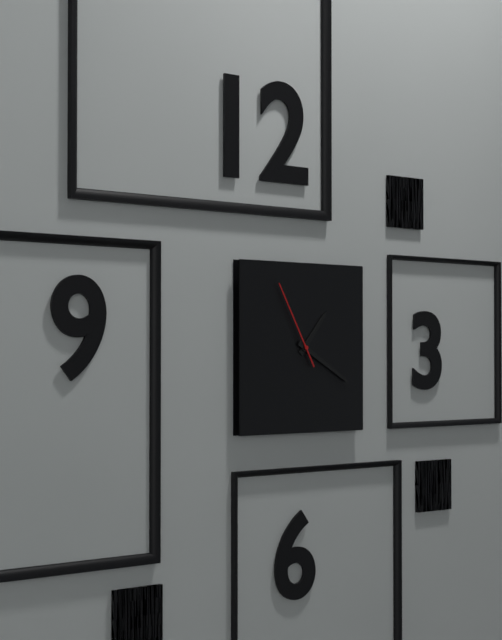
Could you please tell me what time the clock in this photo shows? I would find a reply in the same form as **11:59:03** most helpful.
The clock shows **1:20:55**
